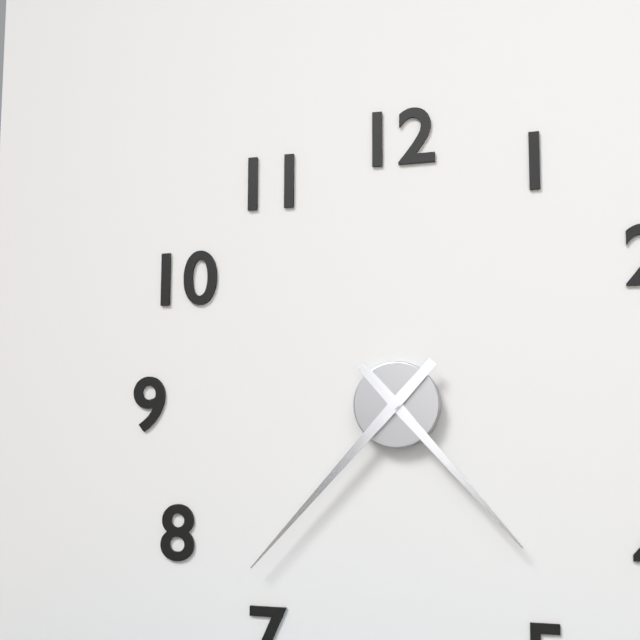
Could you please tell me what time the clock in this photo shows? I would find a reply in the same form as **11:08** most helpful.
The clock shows **4:37**
